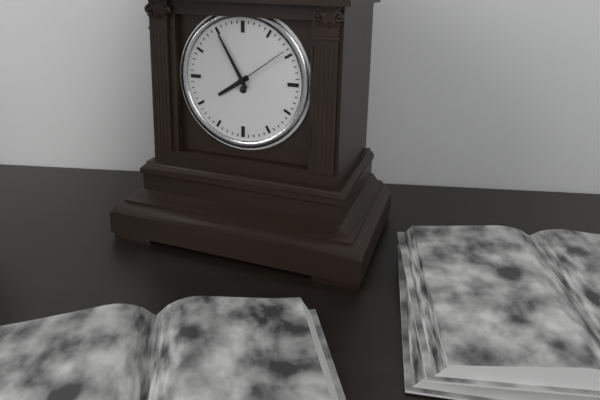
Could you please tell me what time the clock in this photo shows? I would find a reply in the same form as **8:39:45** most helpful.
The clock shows **7:55:09**
